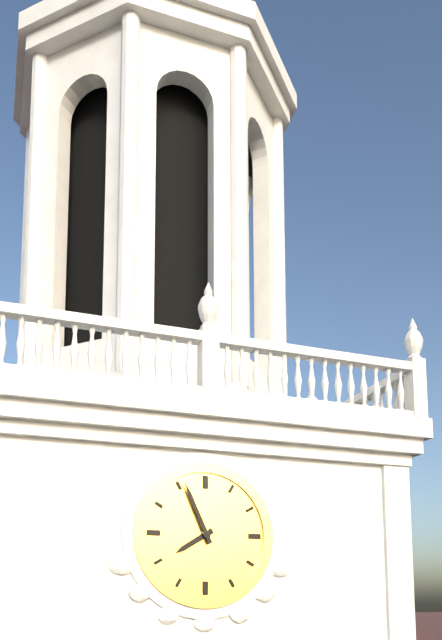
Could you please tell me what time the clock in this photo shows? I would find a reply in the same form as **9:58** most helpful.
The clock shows **7:56**
